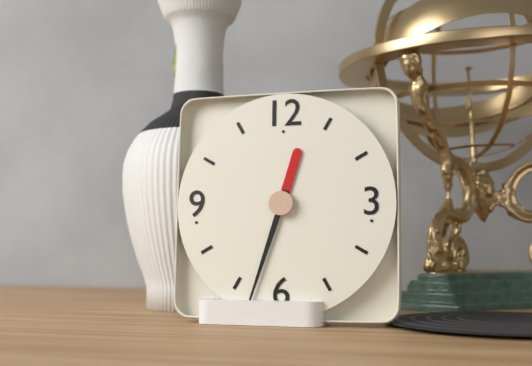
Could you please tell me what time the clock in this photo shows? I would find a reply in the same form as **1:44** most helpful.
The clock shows **12:33**
